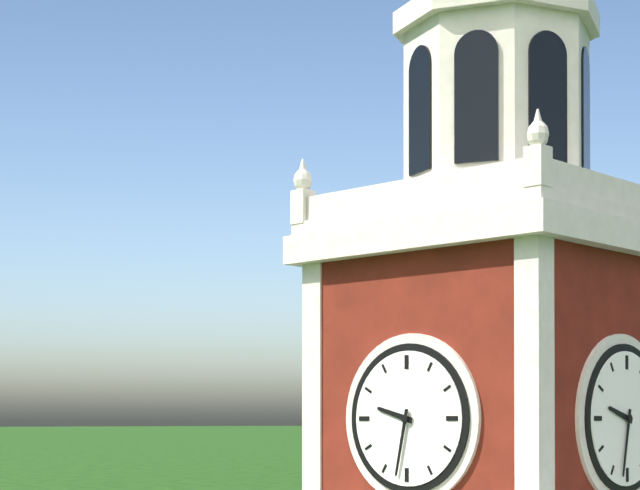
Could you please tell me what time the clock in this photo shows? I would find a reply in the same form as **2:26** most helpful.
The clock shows **9:32**
